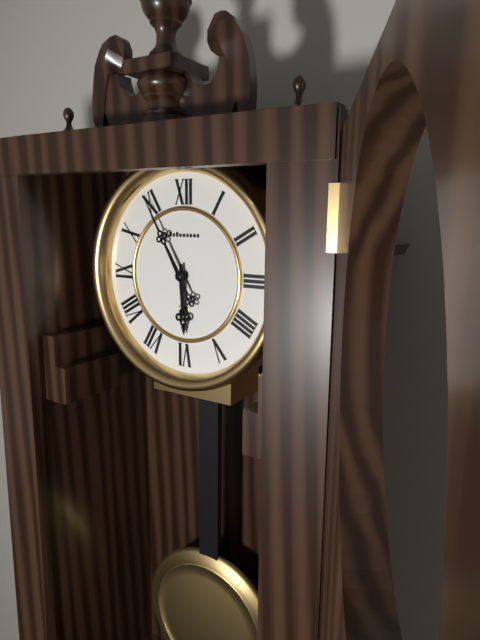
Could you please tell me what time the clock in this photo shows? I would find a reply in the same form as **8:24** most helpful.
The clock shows **5:55**
